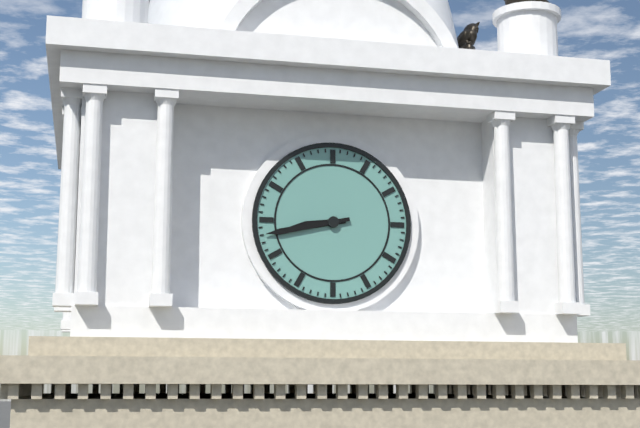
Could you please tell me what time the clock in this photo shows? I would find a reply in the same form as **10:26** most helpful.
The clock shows **8:43**
